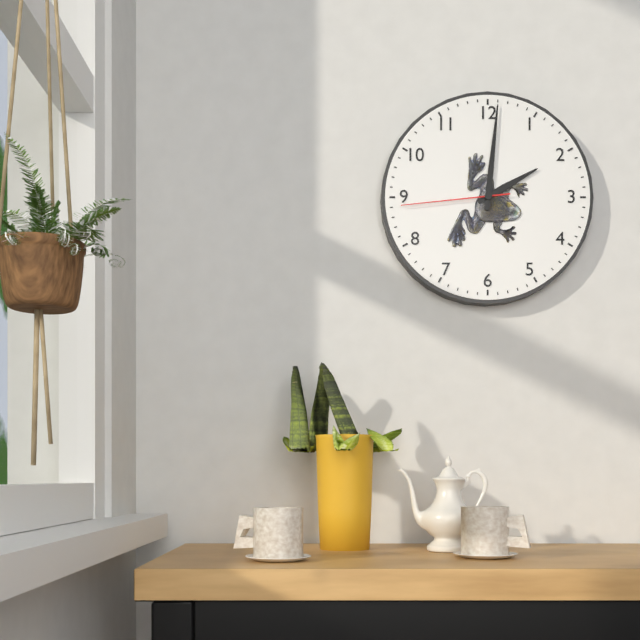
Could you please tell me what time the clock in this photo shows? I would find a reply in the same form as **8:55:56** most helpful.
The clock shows **2:01:44**
